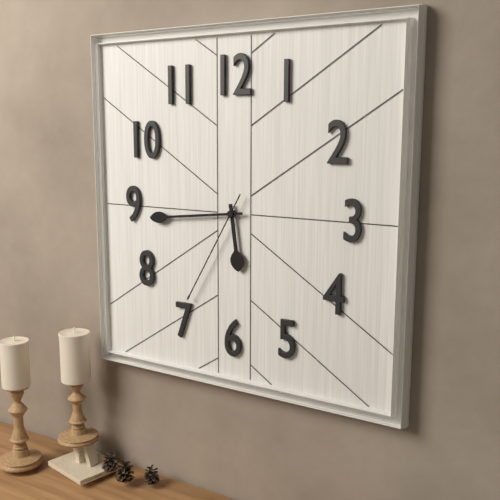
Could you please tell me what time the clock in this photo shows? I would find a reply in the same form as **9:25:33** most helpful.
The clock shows **5:44:35**
